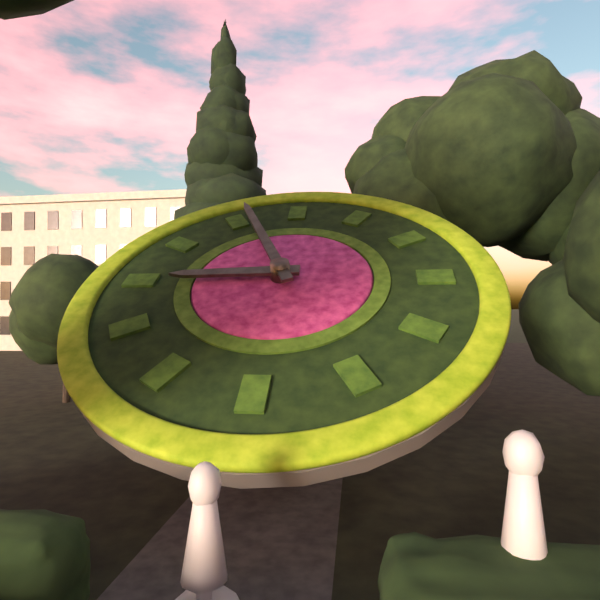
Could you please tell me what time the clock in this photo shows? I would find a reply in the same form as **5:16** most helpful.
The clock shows **8:56**
